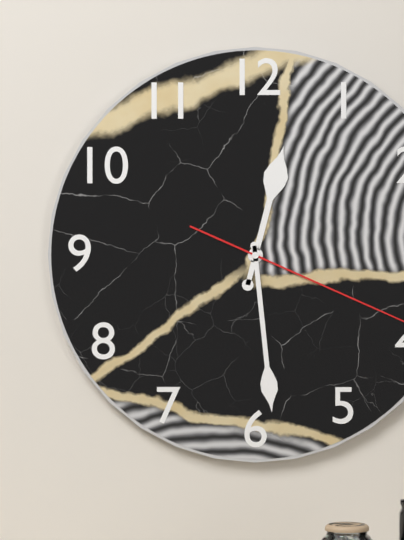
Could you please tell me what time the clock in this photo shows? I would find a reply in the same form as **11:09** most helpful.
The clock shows **12:29**
